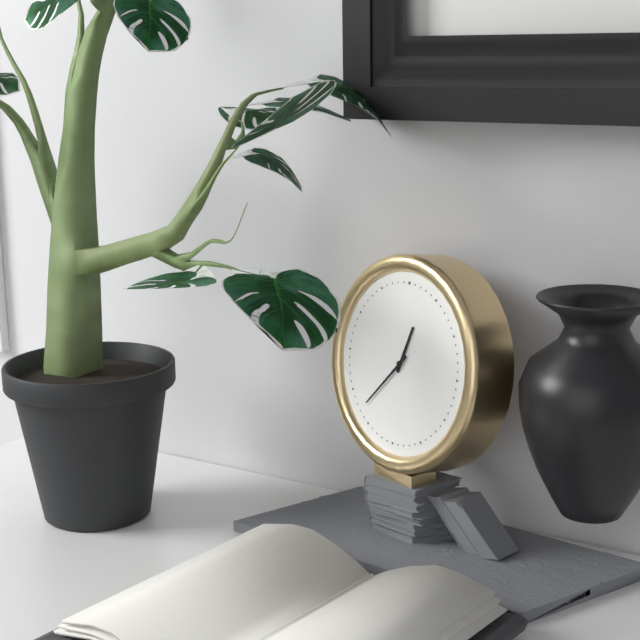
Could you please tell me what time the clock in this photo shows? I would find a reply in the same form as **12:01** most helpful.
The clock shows **12:37**
